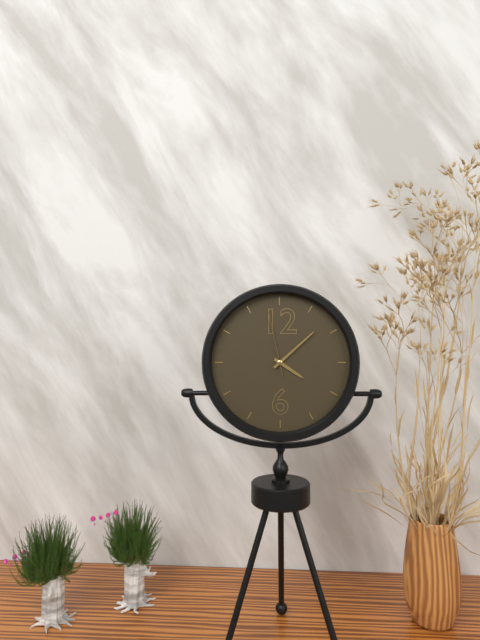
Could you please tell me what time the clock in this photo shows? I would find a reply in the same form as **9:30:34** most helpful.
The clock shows **4:08:58**
